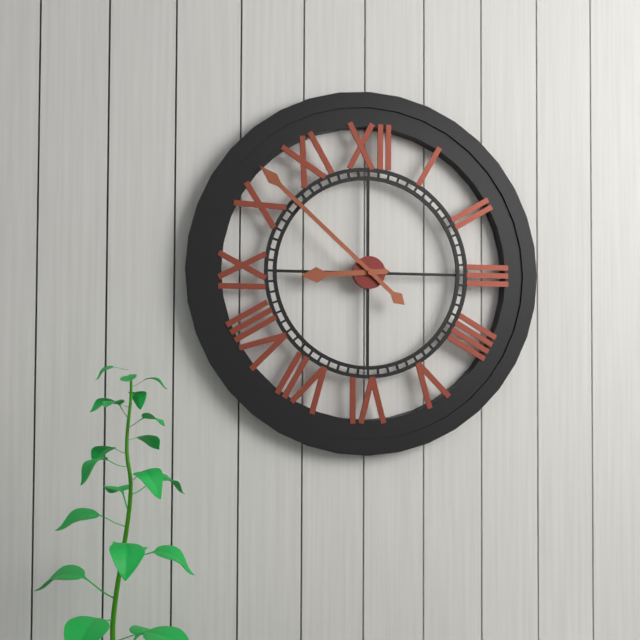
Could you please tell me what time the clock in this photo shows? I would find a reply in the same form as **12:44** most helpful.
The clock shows **8:52**
